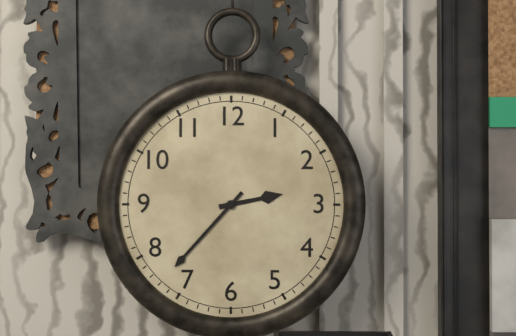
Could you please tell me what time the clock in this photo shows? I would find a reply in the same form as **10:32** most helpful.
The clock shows **2:37**
